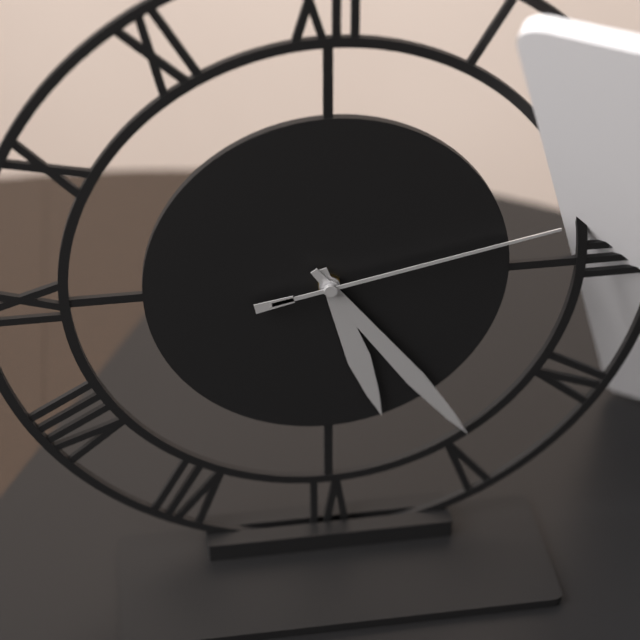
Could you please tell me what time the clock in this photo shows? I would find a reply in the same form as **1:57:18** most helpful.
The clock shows **5:24:13**
